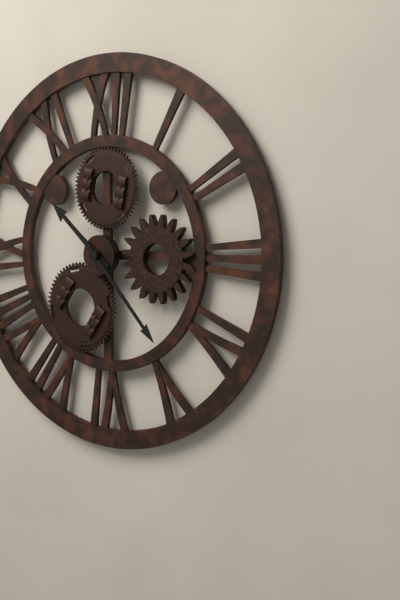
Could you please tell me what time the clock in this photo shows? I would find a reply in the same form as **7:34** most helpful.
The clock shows **10:23**
